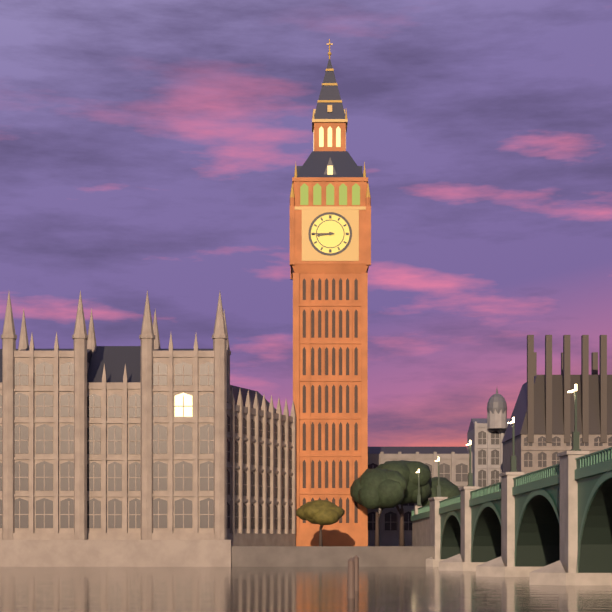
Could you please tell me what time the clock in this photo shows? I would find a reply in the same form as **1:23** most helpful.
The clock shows **8:45**
